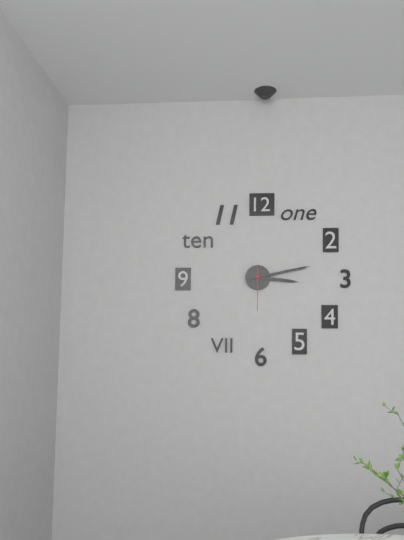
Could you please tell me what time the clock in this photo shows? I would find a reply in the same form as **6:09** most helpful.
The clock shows **3:13**
